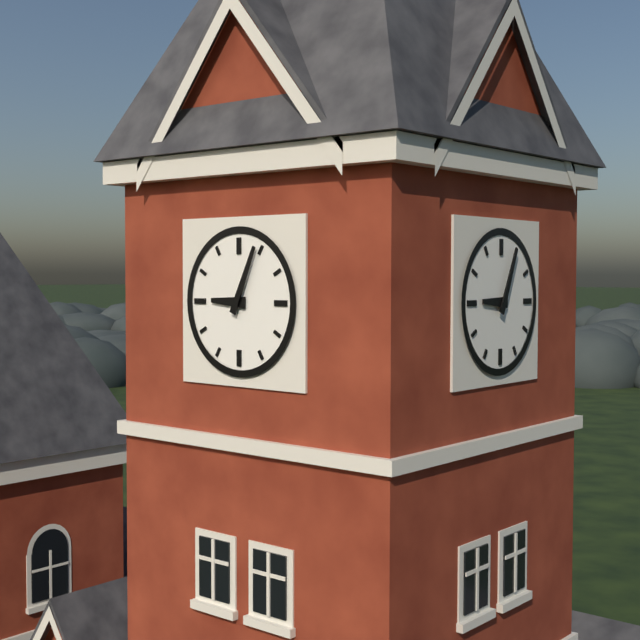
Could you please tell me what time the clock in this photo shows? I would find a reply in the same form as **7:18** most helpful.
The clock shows **9:04**
